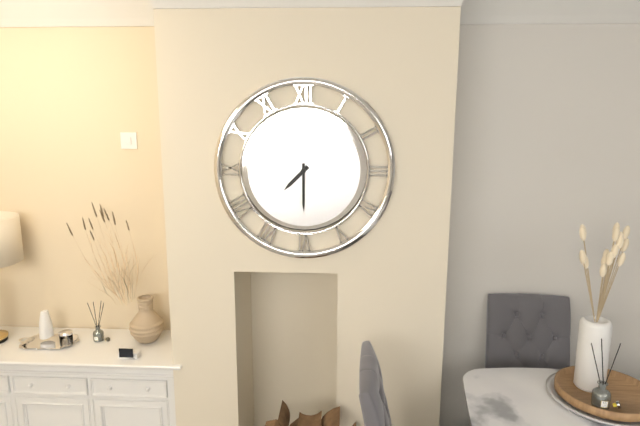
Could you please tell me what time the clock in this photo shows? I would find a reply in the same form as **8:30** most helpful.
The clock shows **7:30**
